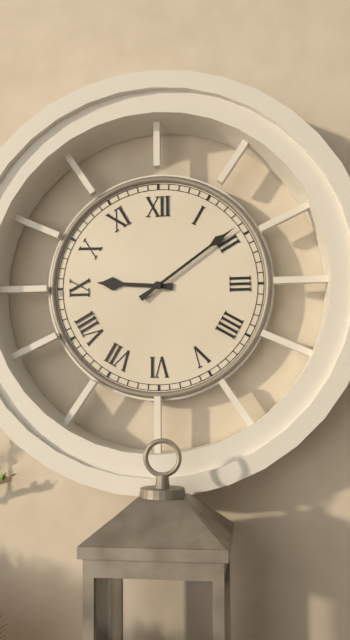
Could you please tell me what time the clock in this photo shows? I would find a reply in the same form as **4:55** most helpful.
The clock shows **9:09**
